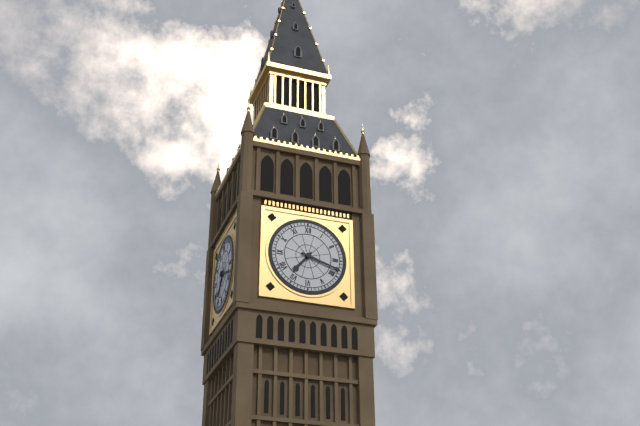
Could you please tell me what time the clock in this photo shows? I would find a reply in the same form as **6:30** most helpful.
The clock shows **7:18**
